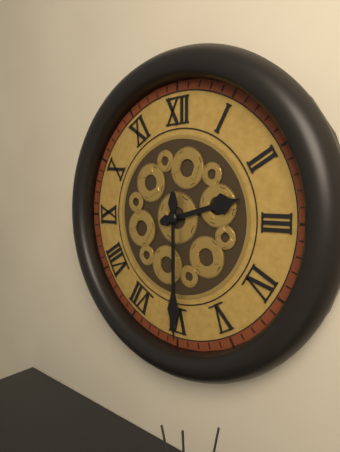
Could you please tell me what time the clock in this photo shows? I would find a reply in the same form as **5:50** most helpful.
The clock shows **2:30**
